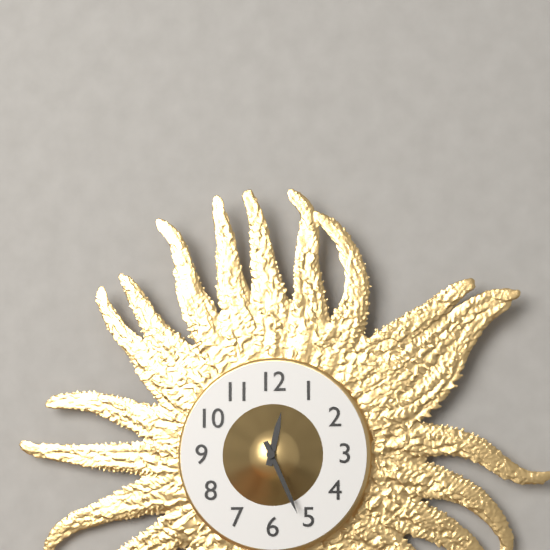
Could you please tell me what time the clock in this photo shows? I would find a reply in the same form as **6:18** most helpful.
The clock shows **12:26**
